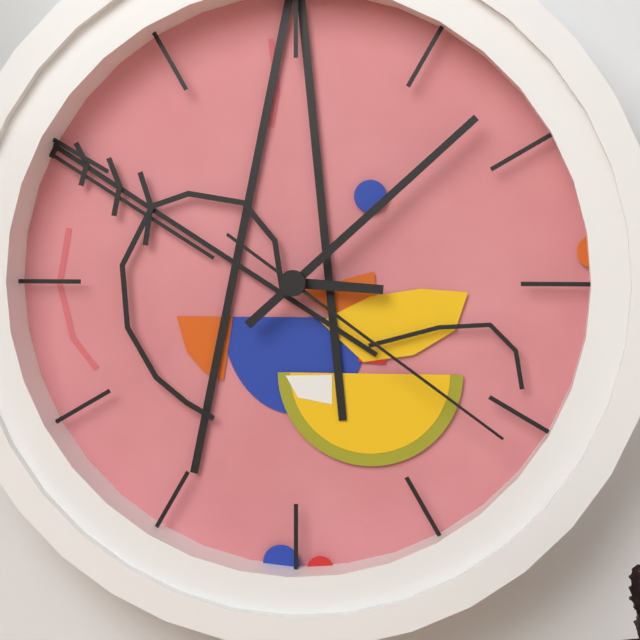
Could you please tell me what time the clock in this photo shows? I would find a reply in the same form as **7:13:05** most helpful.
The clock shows **3:08:21**
